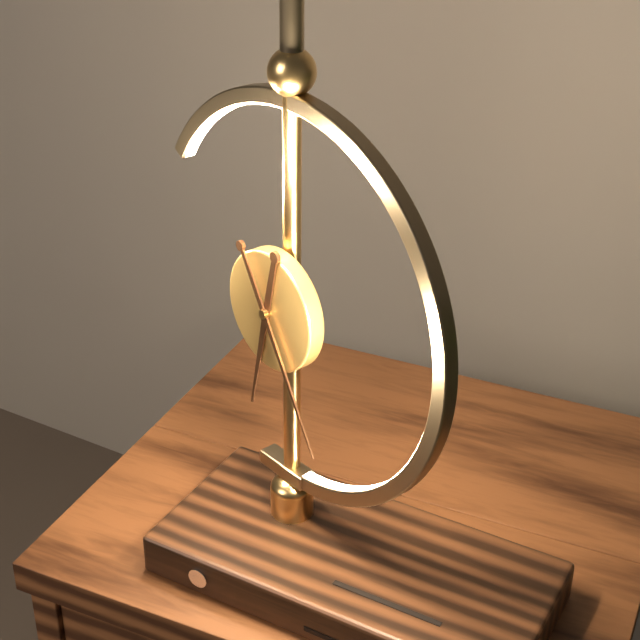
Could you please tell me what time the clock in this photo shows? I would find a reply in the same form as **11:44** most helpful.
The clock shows **6:25**
